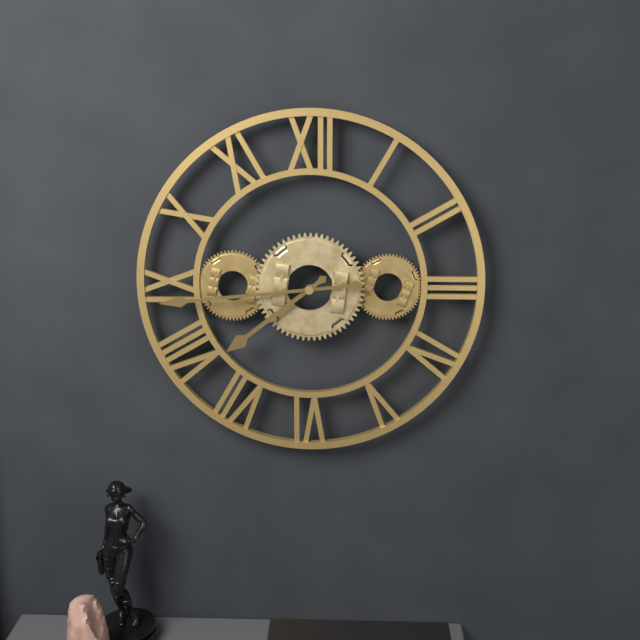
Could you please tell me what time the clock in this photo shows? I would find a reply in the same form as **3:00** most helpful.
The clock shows **7:44**
